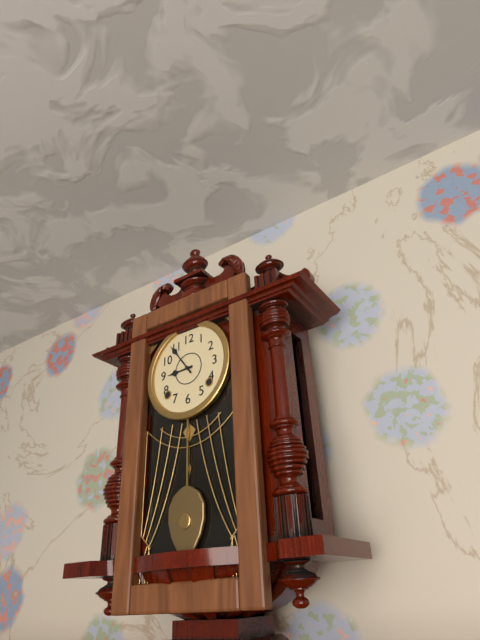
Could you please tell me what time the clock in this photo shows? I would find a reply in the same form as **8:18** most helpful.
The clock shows **8:54**
